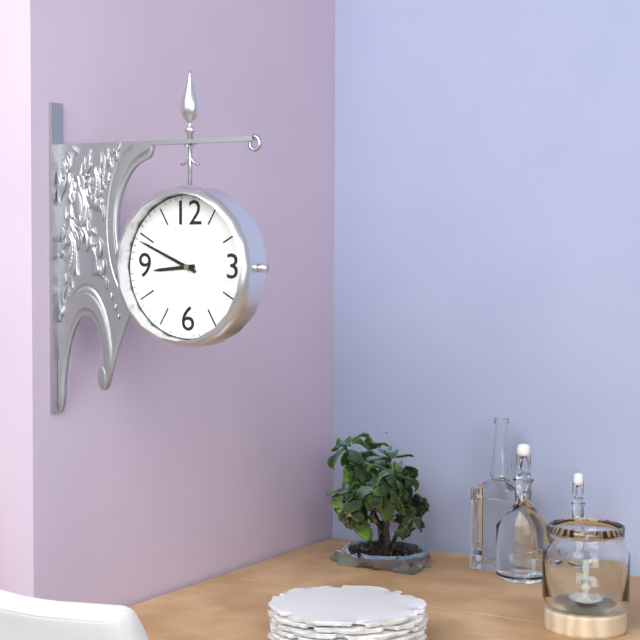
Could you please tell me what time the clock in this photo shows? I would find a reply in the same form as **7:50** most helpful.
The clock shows **8:49**
